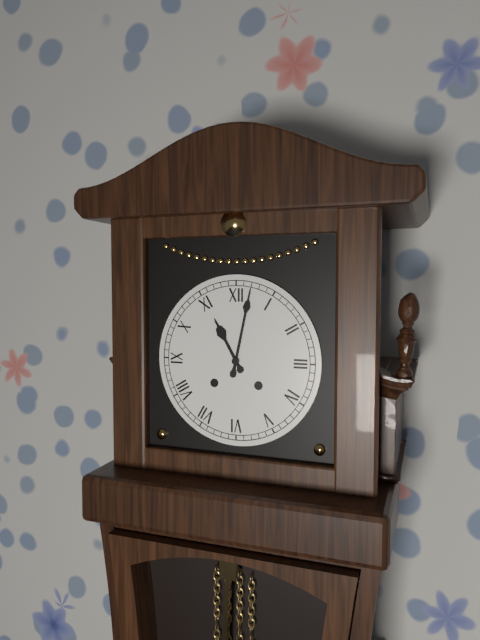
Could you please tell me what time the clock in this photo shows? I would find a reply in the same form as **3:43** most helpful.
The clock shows **11:02**
